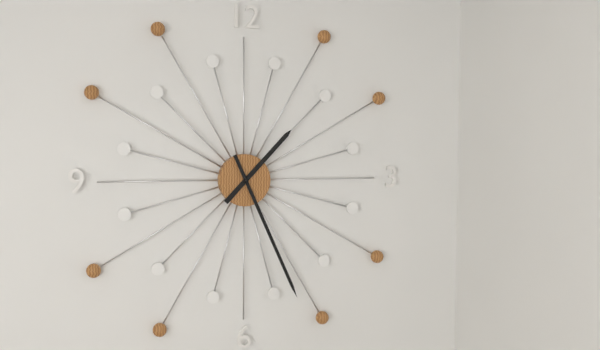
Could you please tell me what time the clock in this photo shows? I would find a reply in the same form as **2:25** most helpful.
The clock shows **1:26**
